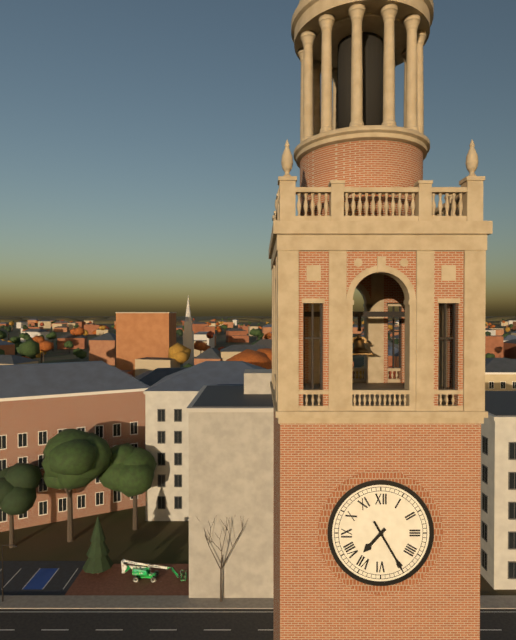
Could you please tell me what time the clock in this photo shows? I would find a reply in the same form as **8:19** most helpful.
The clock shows **7:25**
